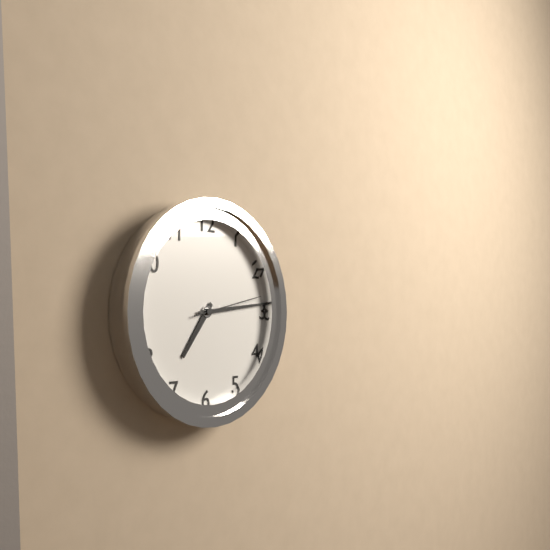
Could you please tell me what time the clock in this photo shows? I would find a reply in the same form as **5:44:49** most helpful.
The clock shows **7:14:13**
